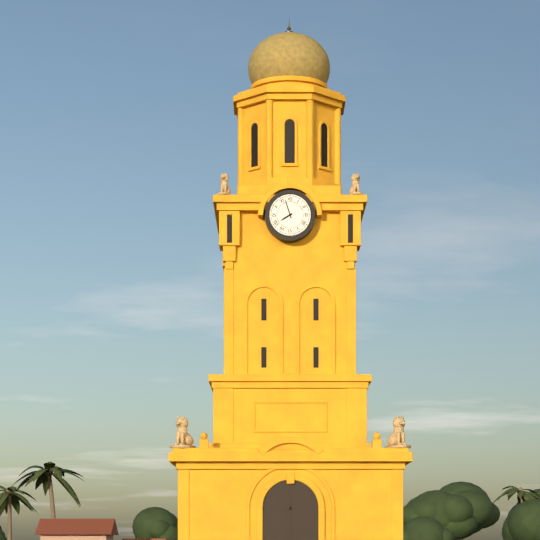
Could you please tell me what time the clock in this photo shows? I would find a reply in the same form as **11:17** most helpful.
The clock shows **7:57**
